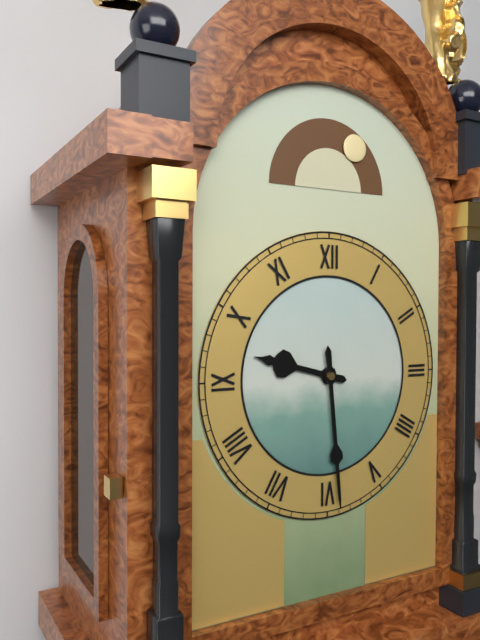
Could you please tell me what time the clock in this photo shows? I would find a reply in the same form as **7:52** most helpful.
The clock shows **9:29**
